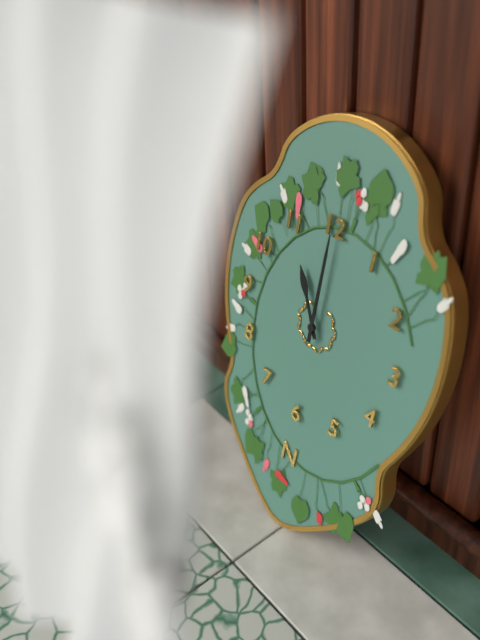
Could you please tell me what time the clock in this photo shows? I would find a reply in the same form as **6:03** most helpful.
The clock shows **11:00**
